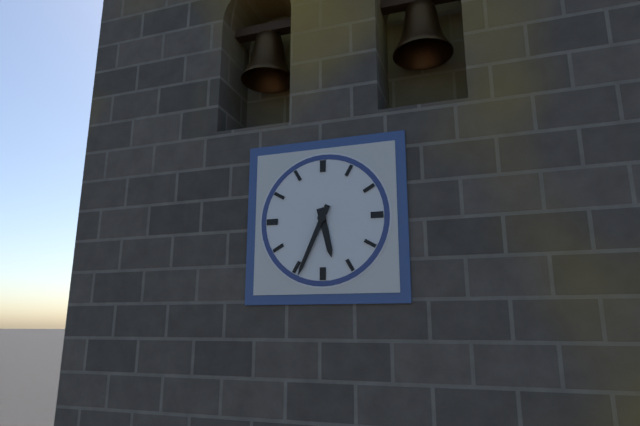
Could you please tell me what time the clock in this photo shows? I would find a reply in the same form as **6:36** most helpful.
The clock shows **5:34**
